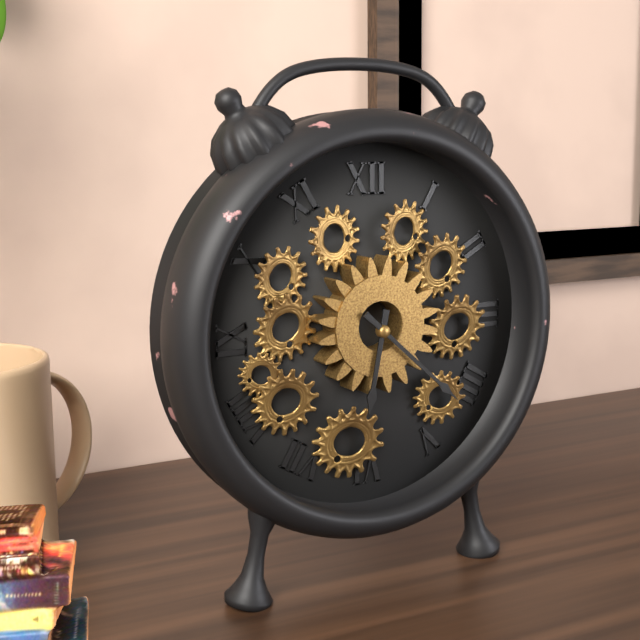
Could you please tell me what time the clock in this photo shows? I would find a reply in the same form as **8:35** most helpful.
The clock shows **6:22**
